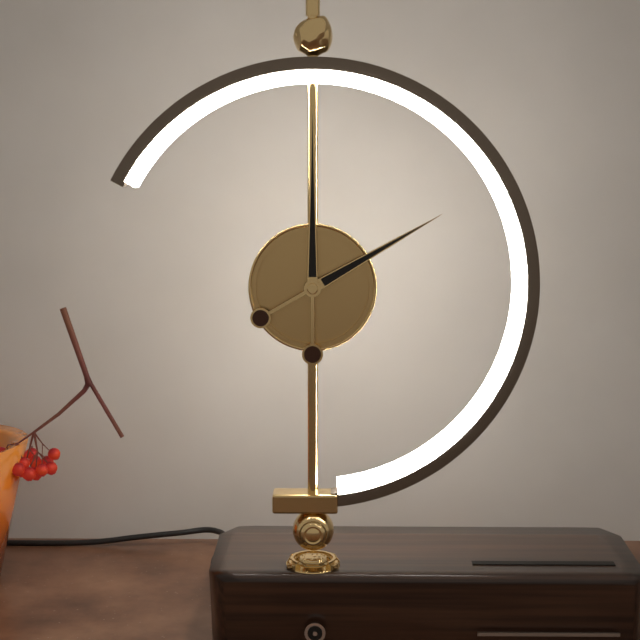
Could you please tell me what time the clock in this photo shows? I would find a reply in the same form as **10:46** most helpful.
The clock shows **2:00**
